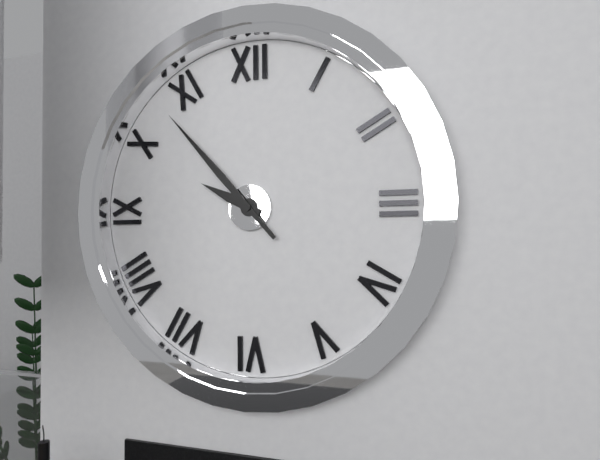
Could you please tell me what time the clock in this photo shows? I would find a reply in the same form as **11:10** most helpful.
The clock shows **9:53**
